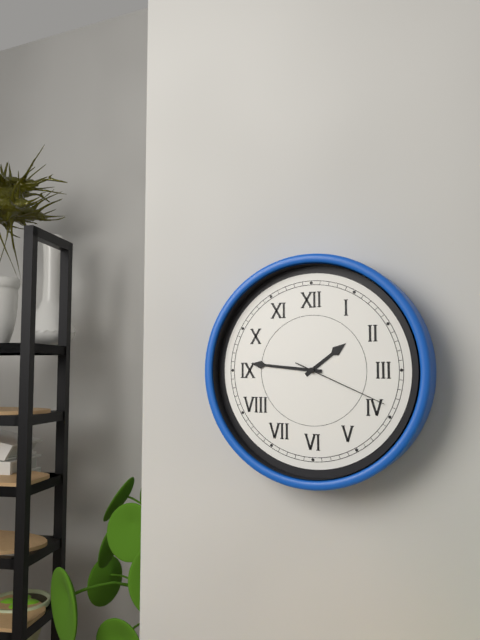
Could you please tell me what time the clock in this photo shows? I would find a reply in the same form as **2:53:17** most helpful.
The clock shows **1:46:19**
